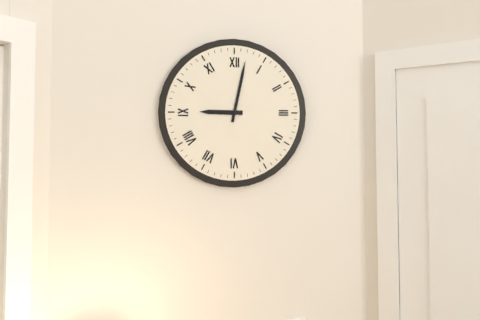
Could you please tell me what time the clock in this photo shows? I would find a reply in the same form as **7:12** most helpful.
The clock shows **9:02**
